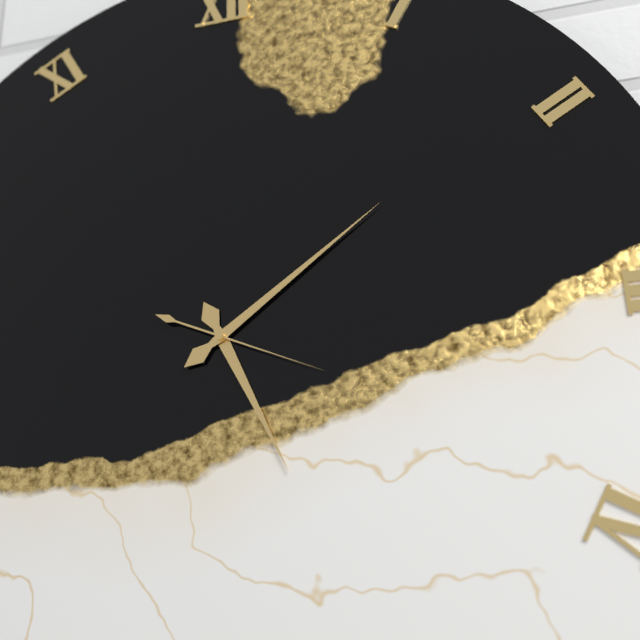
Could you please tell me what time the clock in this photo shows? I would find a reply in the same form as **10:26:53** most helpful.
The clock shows **5:09:19**
